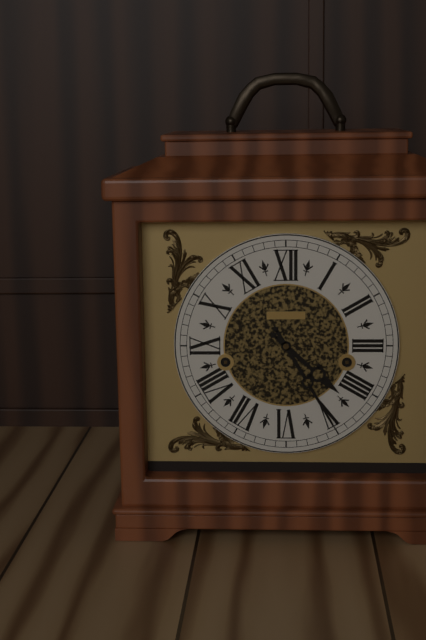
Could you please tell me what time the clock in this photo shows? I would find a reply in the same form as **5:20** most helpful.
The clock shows **4:25**
